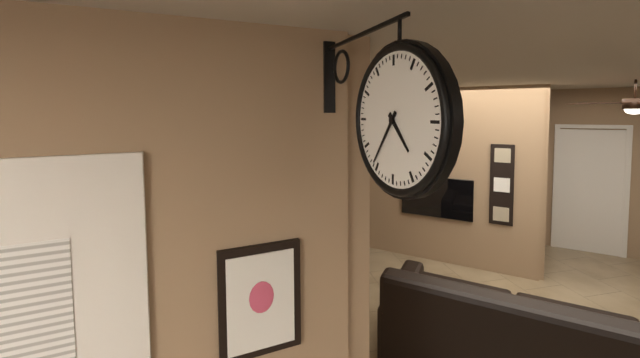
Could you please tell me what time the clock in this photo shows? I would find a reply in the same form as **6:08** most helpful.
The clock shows **4:36**
